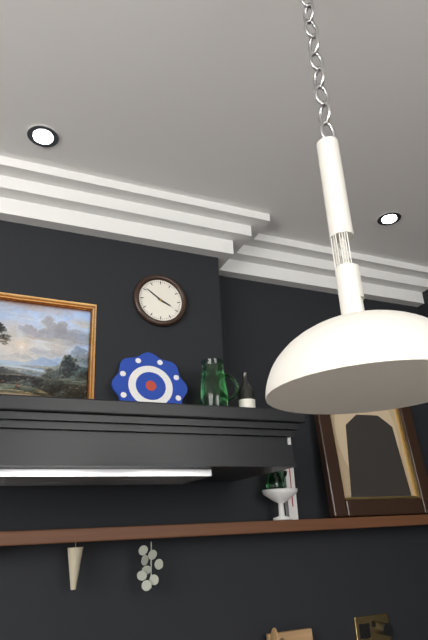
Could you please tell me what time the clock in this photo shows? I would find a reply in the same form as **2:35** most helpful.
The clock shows **3:51**
